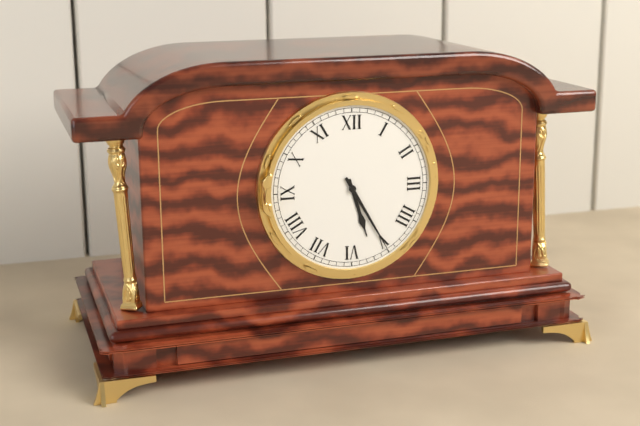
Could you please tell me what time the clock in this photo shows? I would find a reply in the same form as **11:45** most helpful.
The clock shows **5:25**
